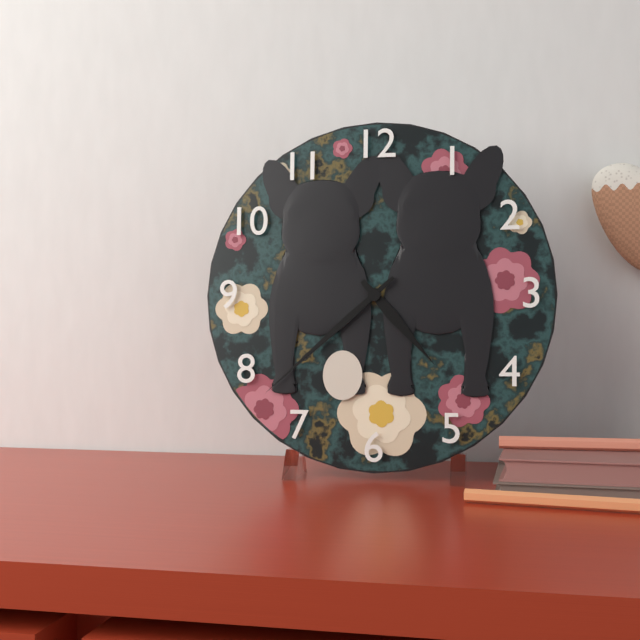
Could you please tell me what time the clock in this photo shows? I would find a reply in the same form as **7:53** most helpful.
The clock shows **4:38**
